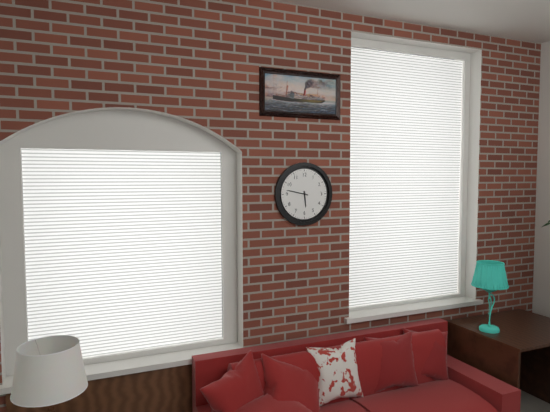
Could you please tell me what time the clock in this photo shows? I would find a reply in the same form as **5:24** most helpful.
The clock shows **5:47**
